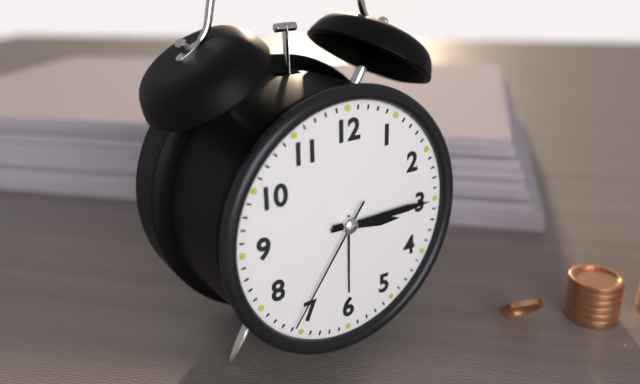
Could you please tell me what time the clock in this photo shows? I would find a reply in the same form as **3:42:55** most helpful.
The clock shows **3:15:36**
